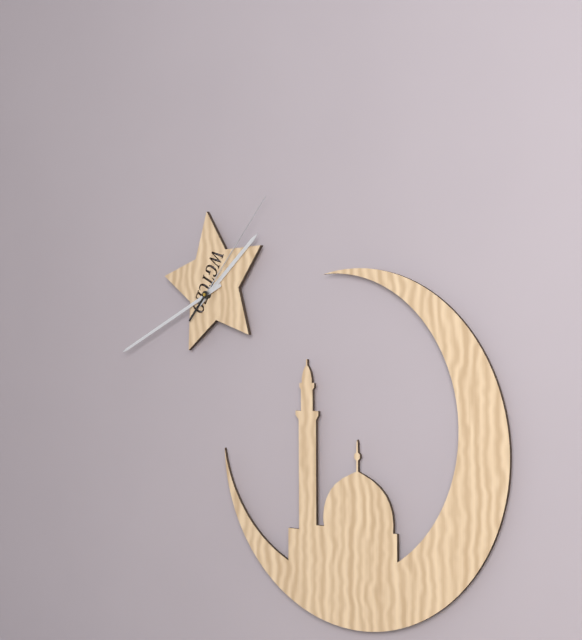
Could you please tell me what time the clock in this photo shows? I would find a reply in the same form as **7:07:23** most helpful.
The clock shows **1:41:07**
